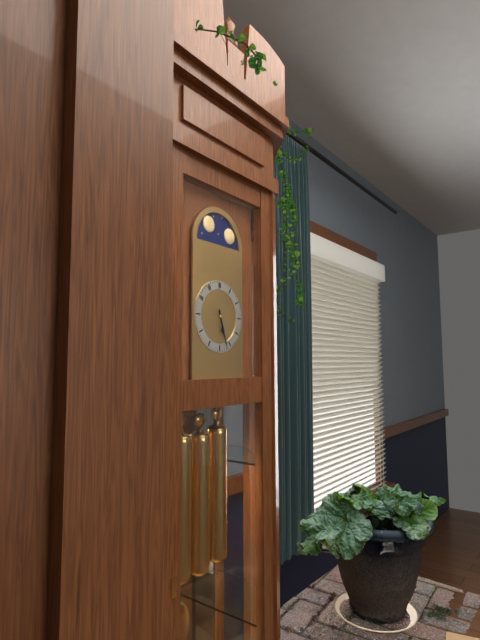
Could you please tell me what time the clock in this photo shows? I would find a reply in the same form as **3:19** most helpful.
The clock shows **5:27**
